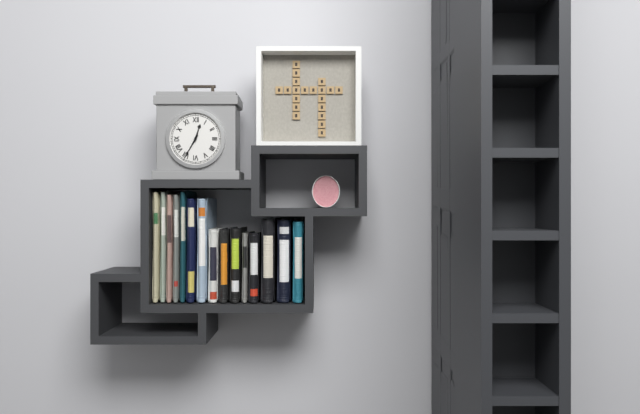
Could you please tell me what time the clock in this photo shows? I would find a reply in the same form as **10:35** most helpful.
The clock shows **12:35**
